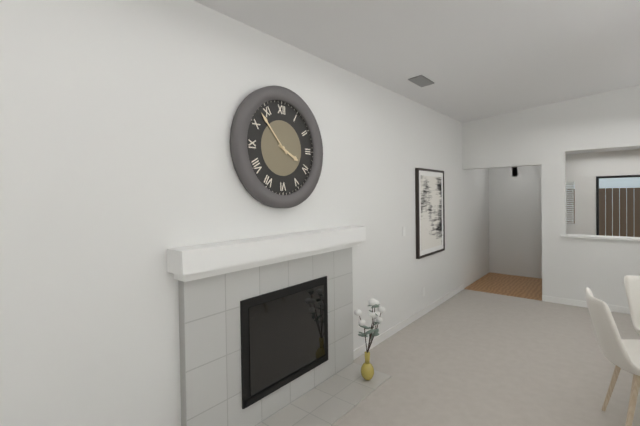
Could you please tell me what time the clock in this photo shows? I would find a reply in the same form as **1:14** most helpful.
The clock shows **3:53**
